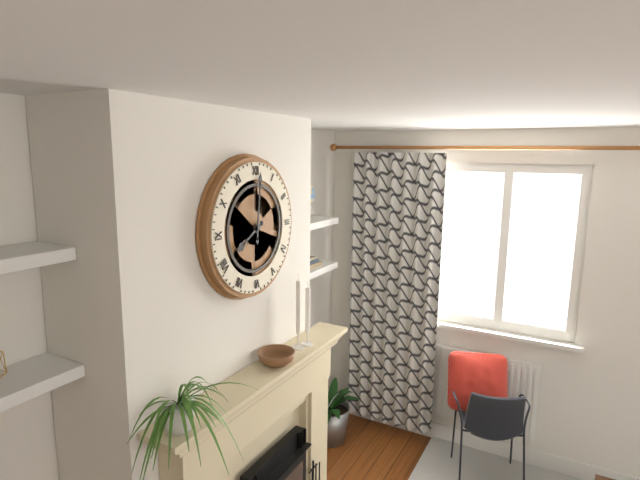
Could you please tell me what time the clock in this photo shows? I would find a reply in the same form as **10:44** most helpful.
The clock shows **8:01**
